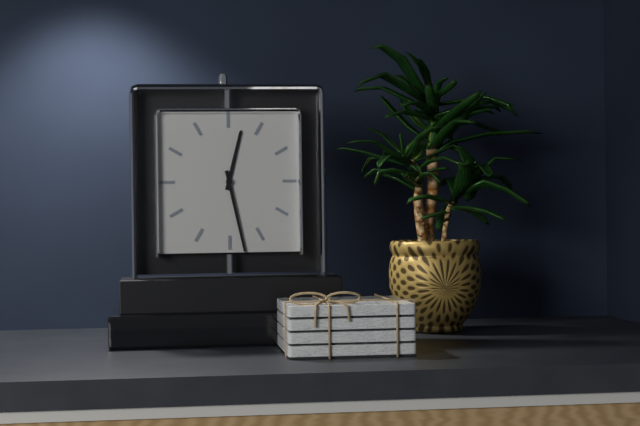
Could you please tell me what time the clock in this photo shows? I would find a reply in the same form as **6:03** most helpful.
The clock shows **12:28**
